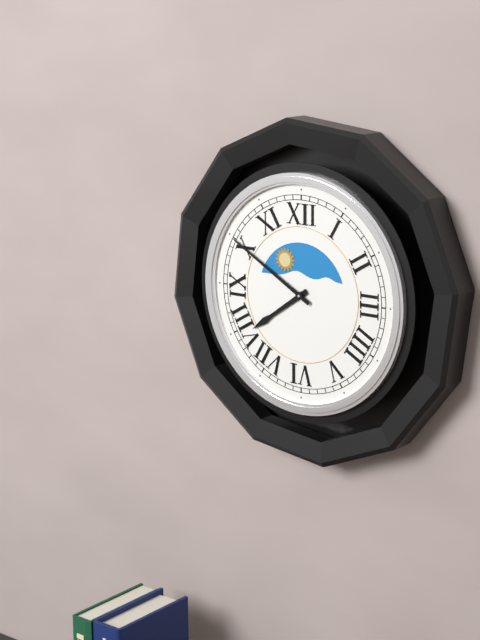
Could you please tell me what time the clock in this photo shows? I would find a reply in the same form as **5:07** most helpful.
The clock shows **7:50**
